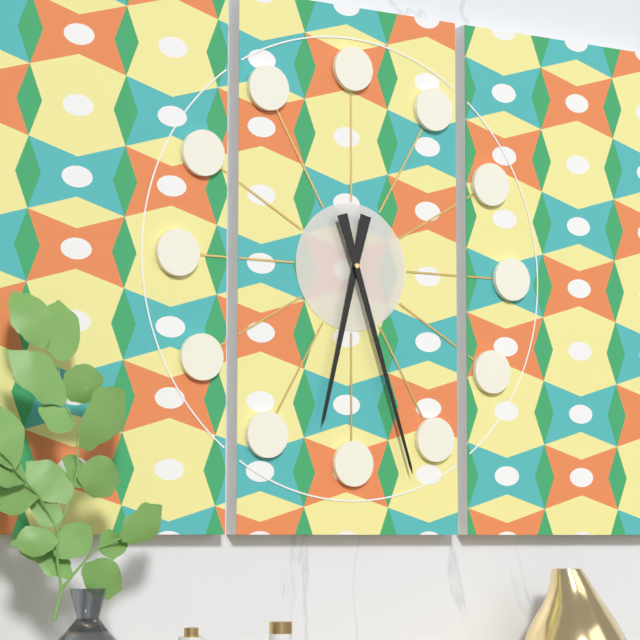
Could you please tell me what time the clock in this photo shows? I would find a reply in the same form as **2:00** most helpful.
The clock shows **6:27**
